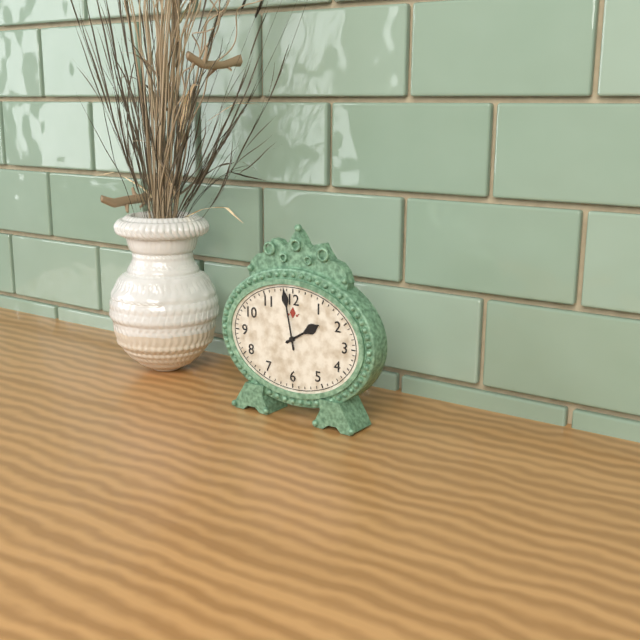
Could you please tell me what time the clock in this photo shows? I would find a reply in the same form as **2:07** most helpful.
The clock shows **1:58**
